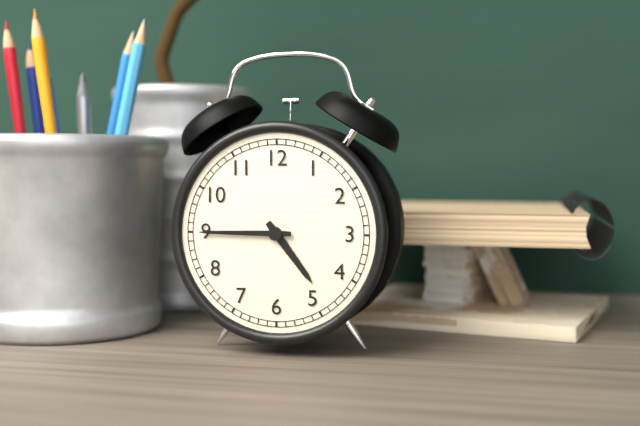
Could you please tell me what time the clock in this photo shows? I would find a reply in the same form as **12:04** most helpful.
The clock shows **4:45**
